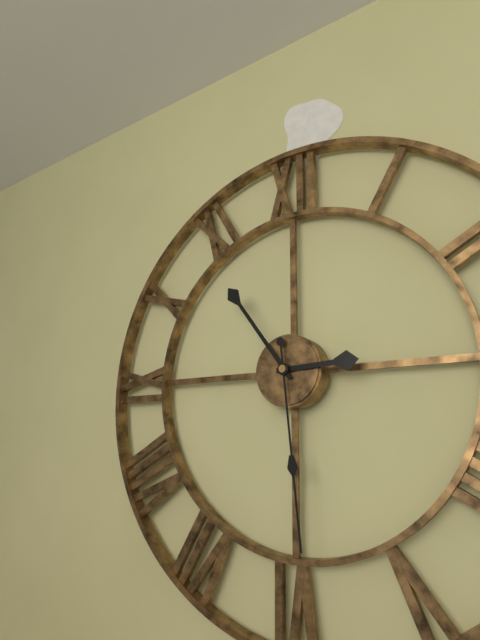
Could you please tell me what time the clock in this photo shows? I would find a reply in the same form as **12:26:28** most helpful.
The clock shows **2:54:29**
